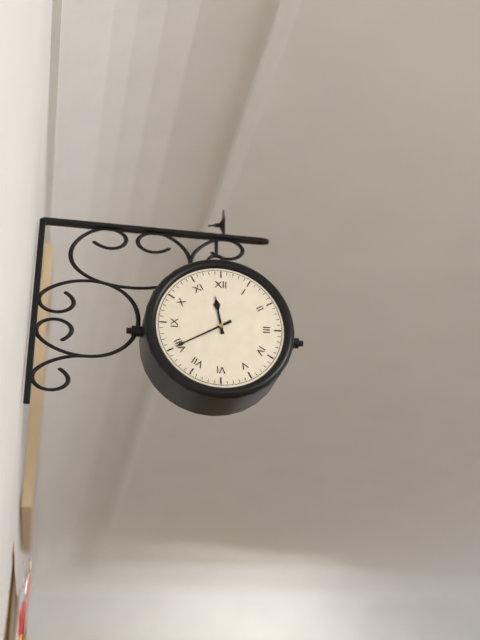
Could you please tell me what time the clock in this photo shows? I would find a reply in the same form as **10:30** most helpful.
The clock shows **11:40**
